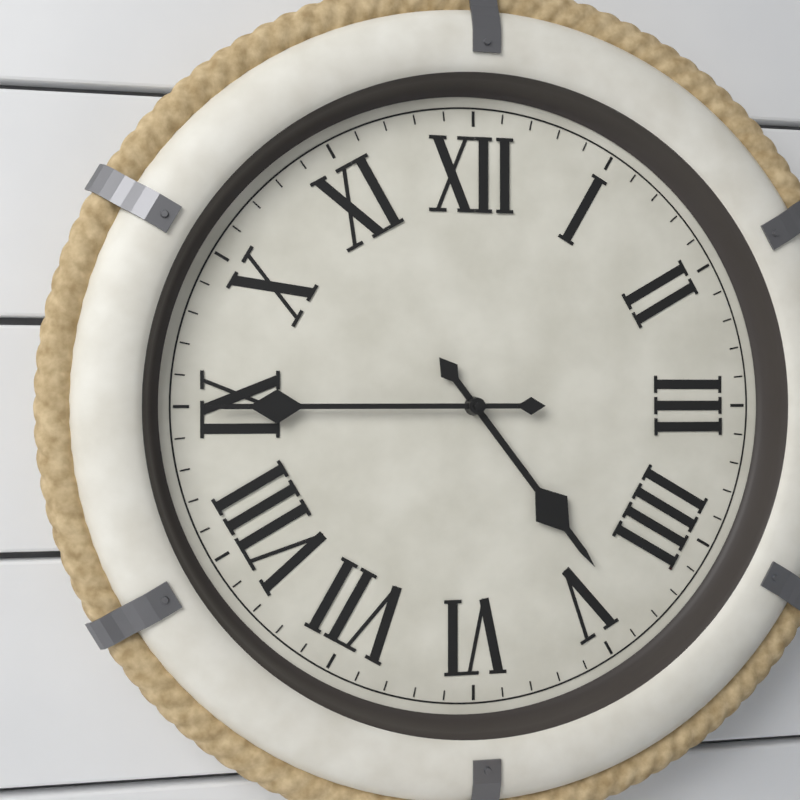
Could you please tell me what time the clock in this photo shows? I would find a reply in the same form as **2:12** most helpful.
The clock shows **4:45**
